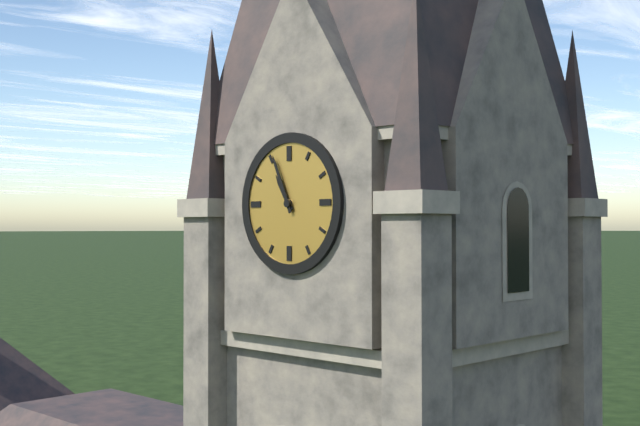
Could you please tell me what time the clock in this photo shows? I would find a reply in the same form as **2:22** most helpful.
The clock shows **10:56**
